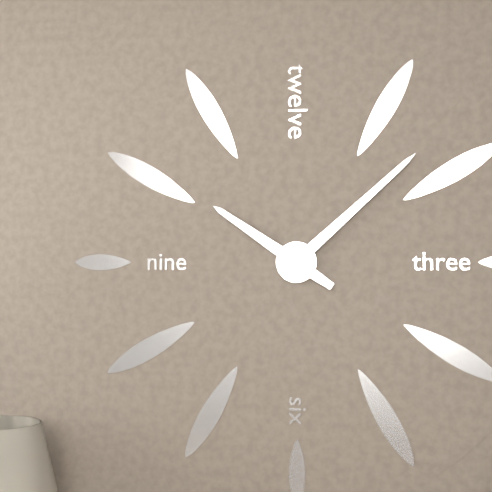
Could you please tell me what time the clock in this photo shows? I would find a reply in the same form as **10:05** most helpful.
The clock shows **10:08**
